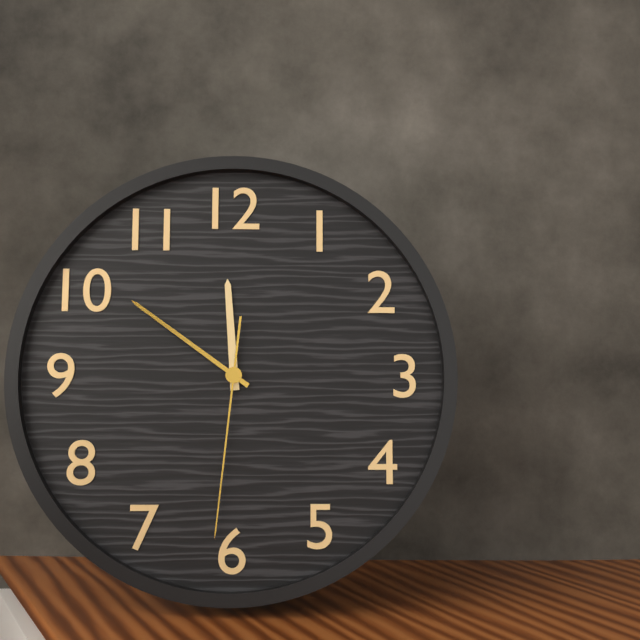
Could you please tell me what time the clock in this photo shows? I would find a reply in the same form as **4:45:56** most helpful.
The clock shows **11:51:31**
